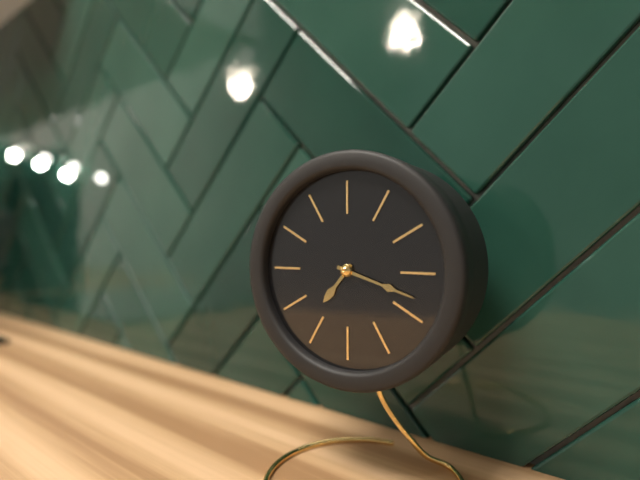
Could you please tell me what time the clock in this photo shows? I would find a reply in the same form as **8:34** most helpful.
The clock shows **7:18**
